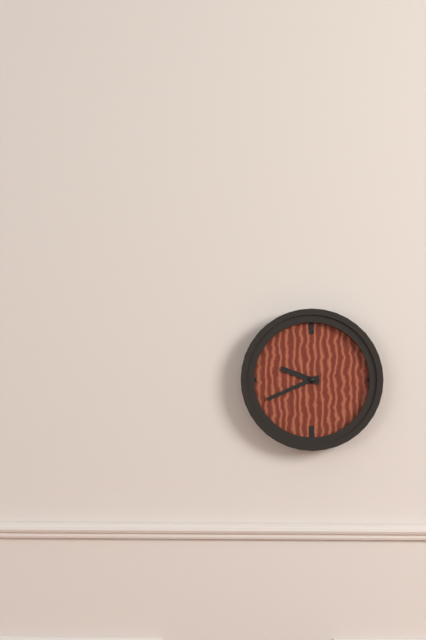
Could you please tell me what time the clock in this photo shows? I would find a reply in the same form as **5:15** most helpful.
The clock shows **9:41**
